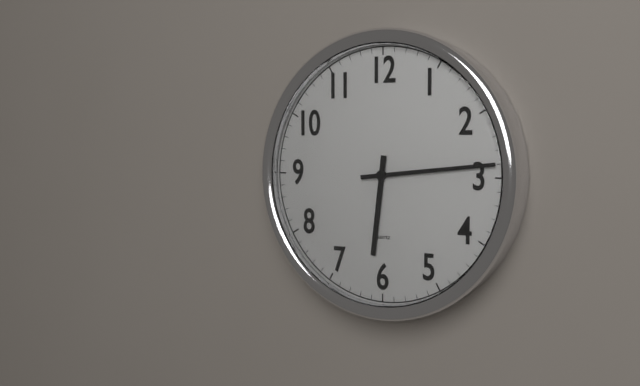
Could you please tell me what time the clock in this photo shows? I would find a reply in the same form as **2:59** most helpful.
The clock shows **6:14**
